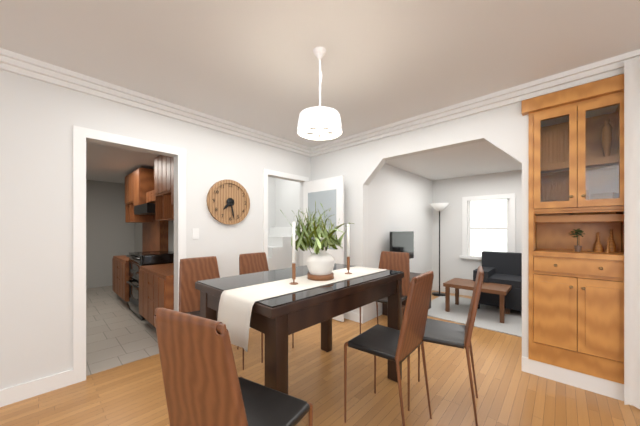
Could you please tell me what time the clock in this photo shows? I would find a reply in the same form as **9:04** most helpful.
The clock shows **7:28**
